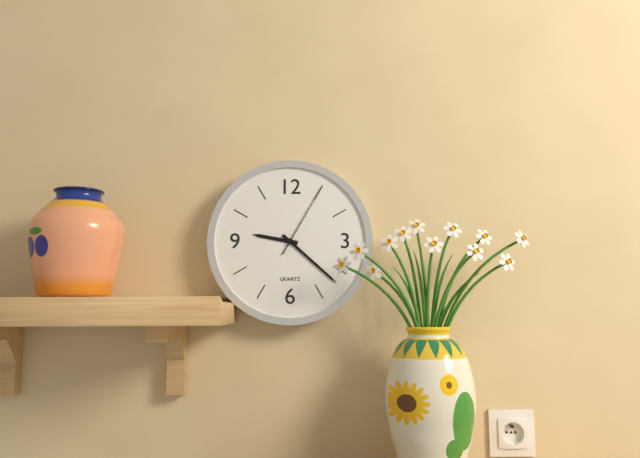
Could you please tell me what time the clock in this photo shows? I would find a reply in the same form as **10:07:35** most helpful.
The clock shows **9:22:05**
